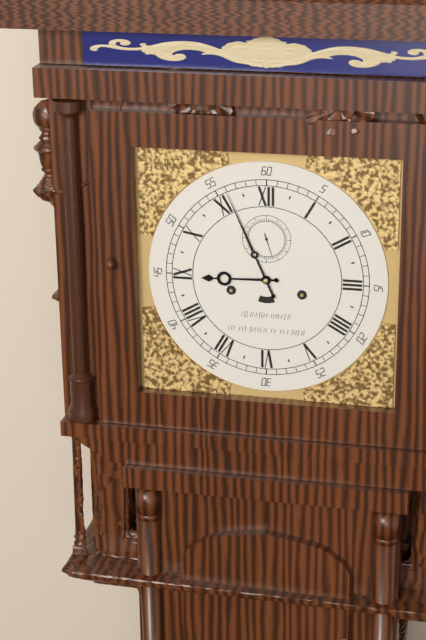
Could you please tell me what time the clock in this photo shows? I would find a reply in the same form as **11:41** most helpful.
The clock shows **8:56**
